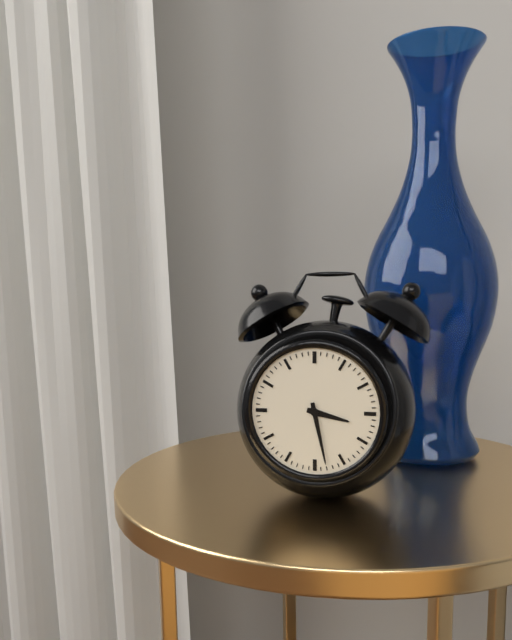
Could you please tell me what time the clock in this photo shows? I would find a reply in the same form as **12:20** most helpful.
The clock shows **3:28**
